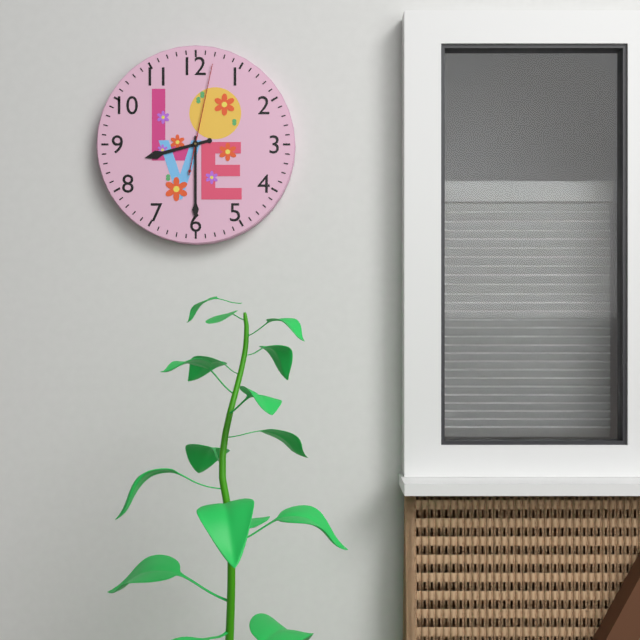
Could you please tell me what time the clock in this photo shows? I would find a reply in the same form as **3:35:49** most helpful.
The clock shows **8:30:02**
